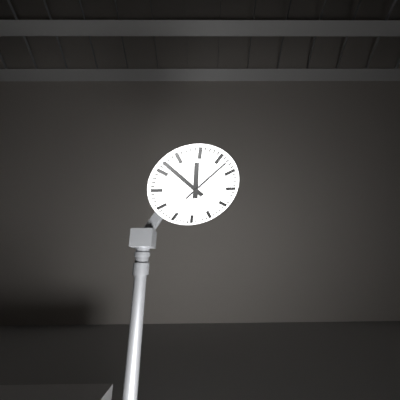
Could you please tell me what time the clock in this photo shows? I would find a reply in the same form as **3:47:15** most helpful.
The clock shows **11:52:07**
